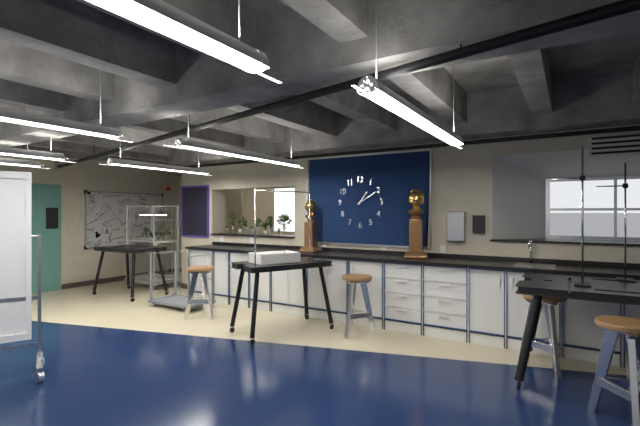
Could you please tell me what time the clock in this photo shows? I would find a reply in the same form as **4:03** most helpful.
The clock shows **1:10**
